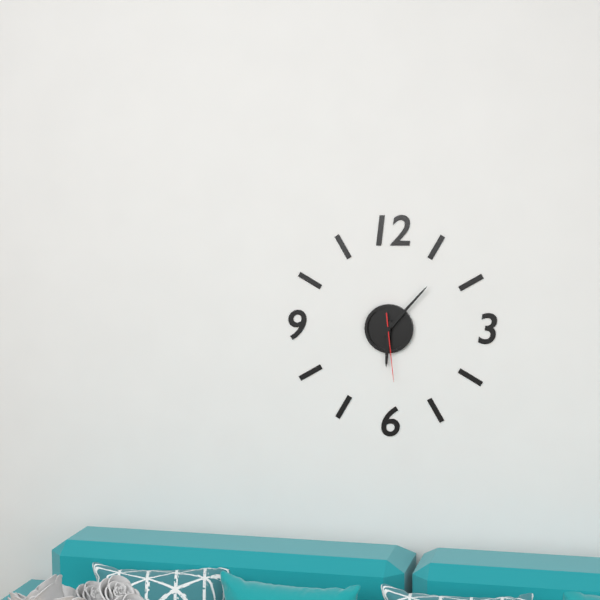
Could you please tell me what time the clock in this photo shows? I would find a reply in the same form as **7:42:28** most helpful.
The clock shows **6:07:29**
